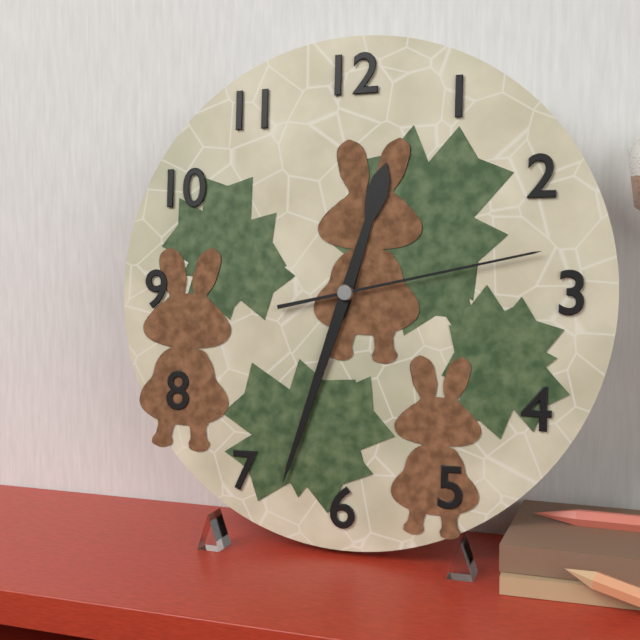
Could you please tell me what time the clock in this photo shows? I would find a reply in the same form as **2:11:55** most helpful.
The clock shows **12:33:13**
